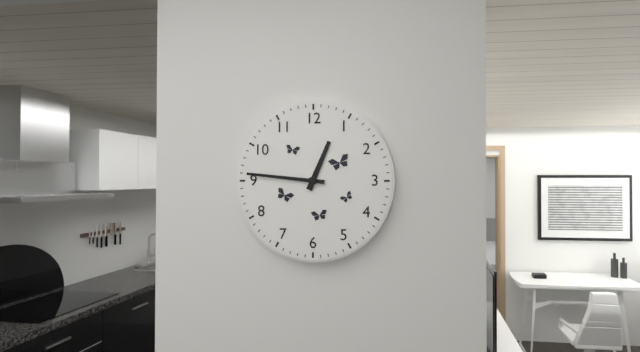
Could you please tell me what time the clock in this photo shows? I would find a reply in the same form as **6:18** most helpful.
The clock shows **12:46**
